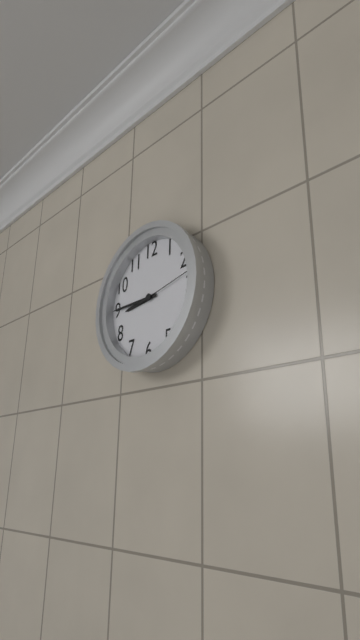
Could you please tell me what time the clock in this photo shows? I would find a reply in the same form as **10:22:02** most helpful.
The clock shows **8:45:13**
